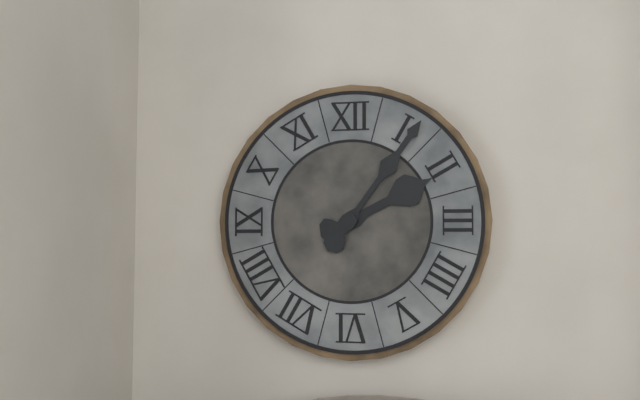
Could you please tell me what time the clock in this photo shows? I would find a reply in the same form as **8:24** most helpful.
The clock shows **2:06**
